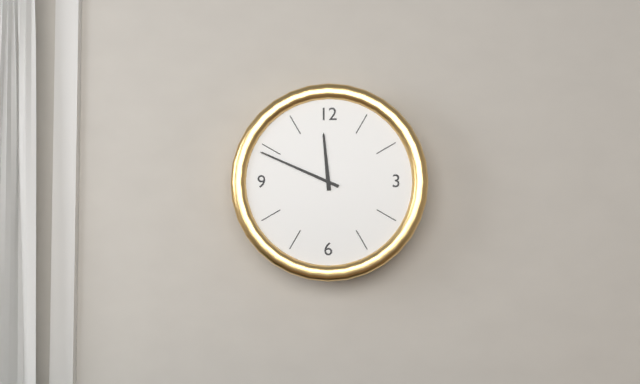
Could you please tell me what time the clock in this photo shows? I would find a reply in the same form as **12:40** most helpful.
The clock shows **11:49**
